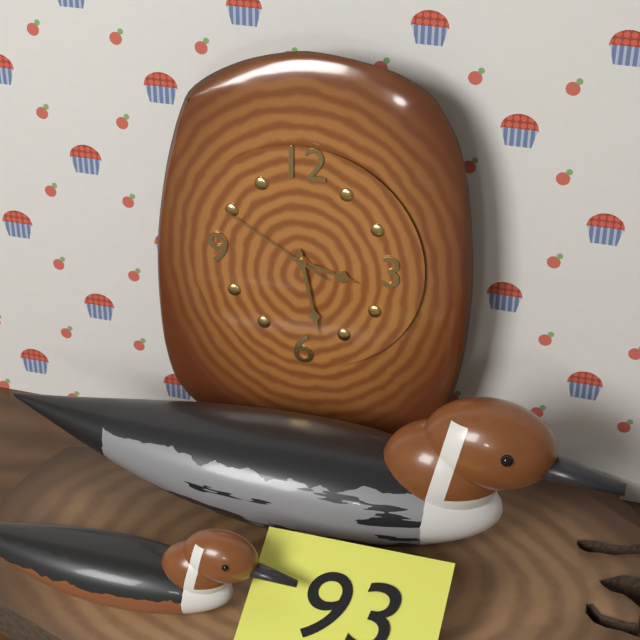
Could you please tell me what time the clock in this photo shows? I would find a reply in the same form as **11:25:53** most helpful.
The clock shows **3:28:50**
